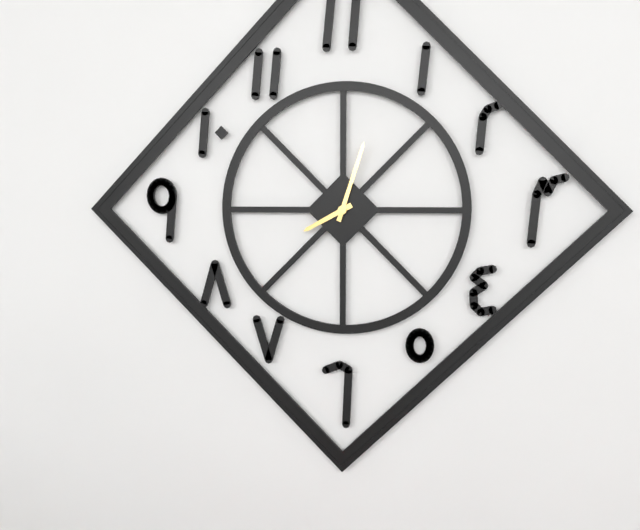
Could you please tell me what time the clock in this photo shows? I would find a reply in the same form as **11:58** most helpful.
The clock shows **8:03**
